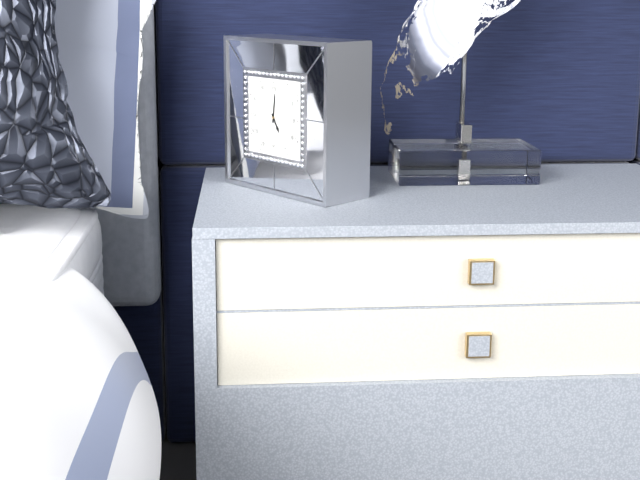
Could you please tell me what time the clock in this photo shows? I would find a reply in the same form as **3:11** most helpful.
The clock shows **5:01**
